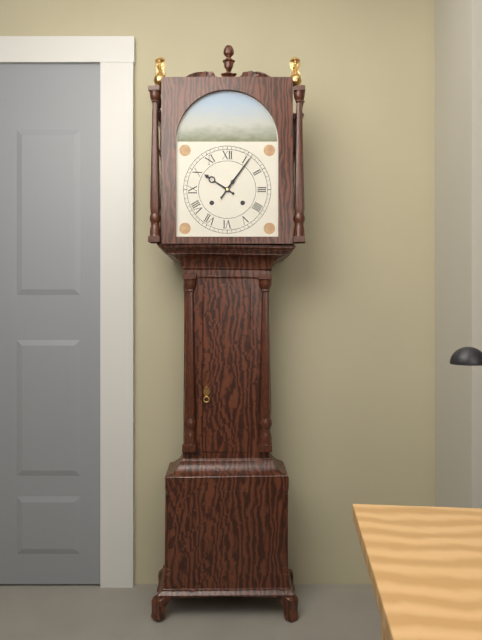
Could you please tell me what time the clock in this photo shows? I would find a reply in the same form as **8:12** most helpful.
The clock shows **10:06**
